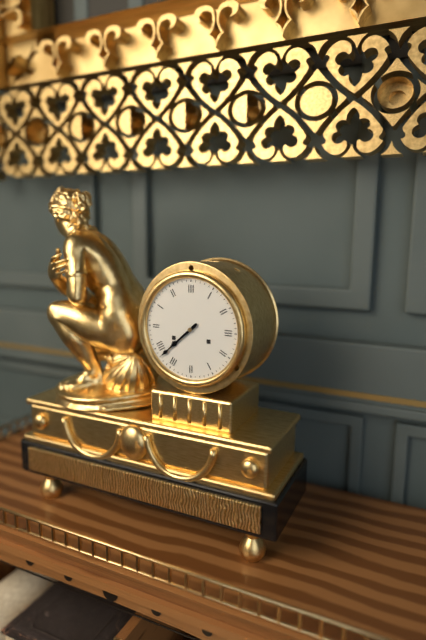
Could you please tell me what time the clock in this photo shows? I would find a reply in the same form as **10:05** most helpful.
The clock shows **7:38**
